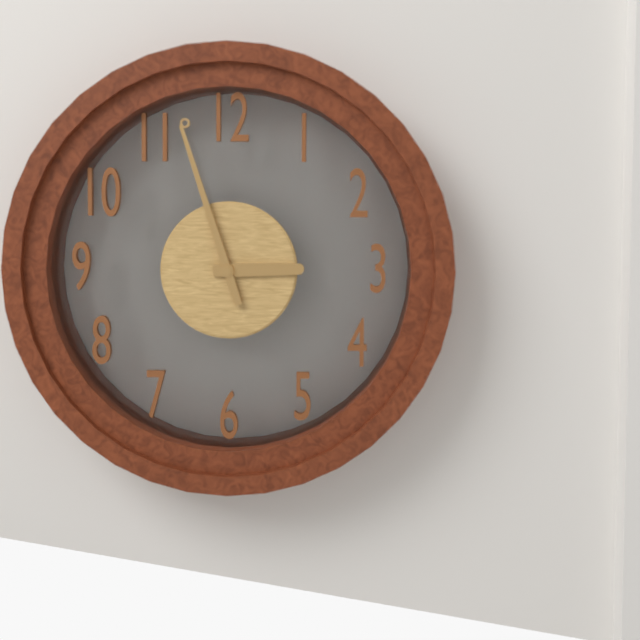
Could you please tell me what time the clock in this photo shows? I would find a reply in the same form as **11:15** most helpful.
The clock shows **2:57**
